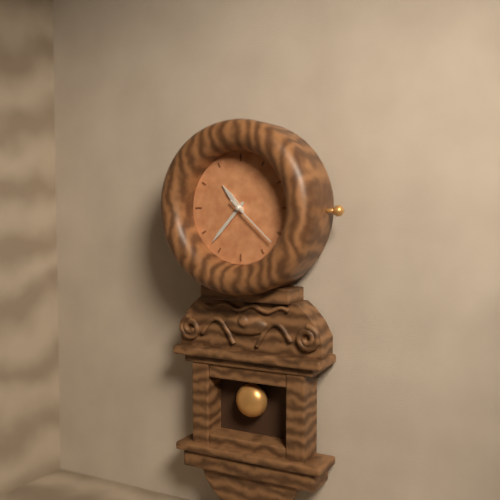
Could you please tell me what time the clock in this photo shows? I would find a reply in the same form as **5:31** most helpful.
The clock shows **10:37**
